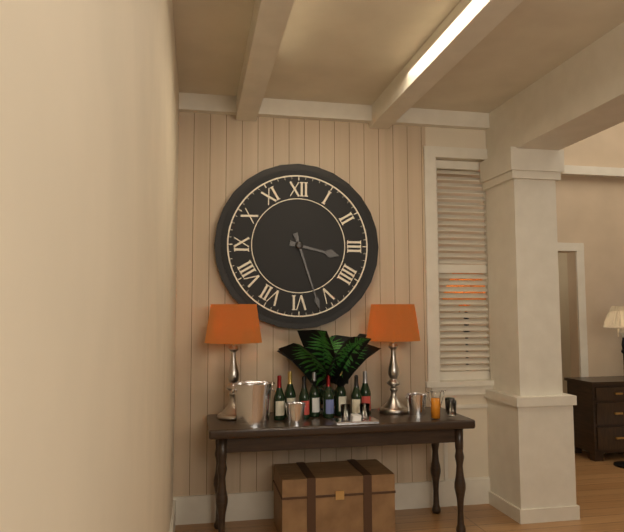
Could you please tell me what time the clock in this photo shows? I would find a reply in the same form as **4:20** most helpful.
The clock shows **3:27**
